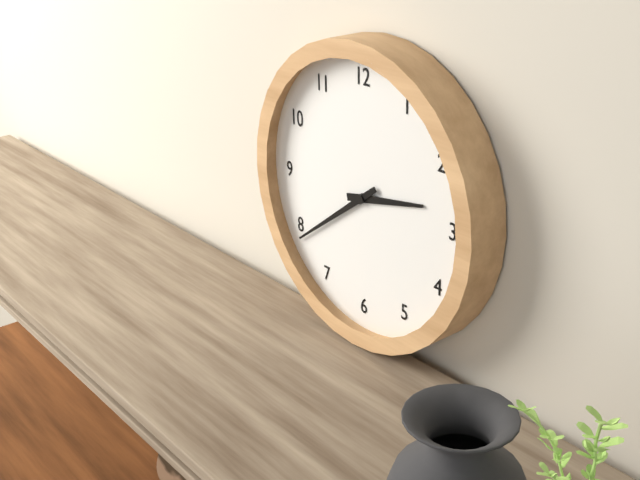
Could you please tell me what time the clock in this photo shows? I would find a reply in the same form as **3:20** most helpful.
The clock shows **2:39**
